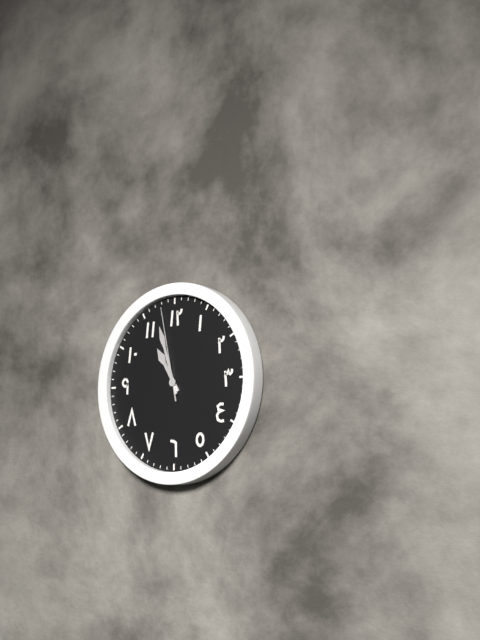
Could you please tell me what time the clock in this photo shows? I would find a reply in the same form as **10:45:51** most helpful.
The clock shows **10:57:58**
